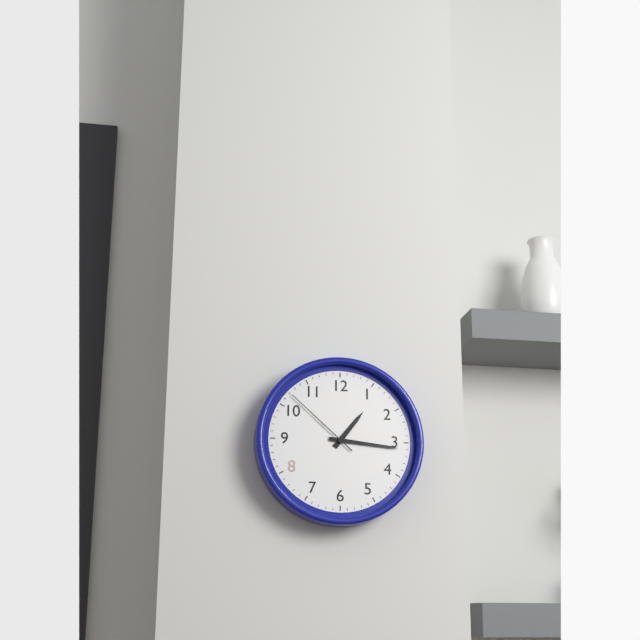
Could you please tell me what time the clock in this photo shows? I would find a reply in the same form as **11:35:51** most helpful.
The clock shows **1:16:52**
